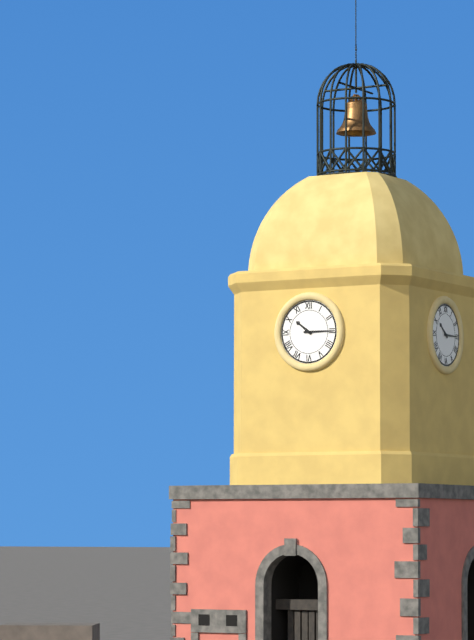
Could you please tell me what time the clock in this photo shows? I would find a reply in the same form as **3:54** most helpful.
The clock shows **10:15**
